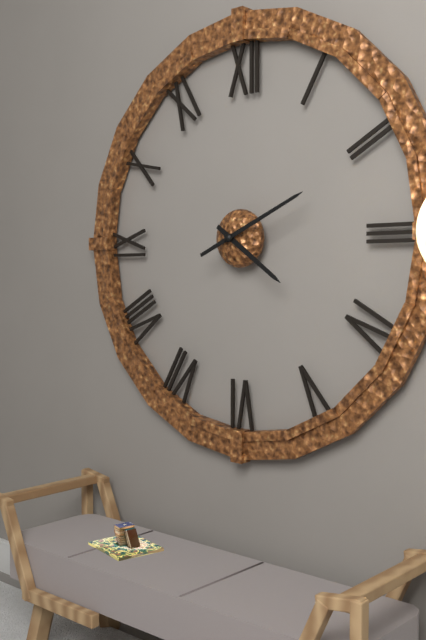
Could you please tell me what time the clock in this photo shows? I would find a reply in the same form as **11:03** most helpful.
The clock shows **4:11**
